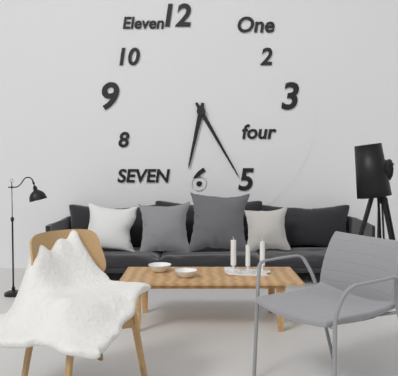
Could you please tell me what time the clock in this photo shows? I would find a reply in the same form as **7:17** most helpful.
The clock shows **6:25**
